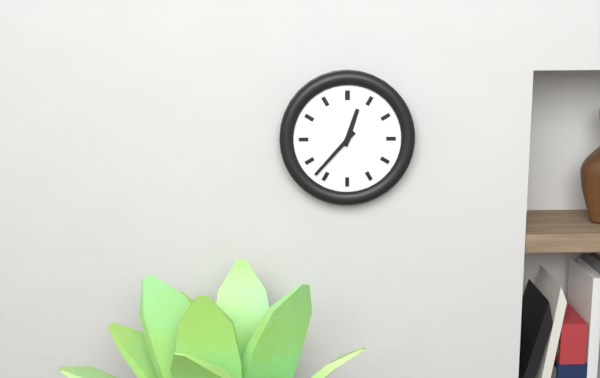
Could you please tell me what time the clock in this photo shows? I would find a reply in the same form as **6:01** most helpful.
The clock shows **12:37**
